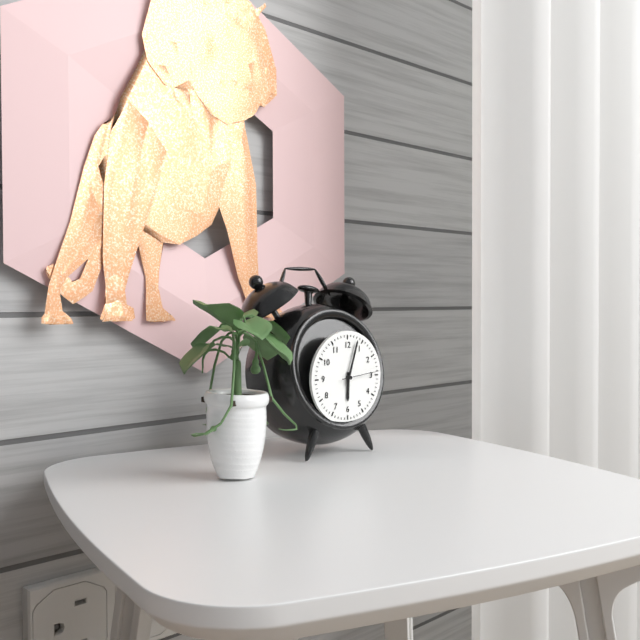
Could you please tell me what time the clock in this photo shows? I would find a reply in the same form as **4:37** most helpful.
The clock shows **6:03**
